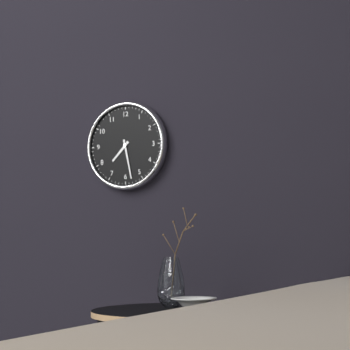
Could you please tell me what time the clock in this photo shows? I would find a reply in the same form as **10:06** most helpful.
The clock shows **7:28**
